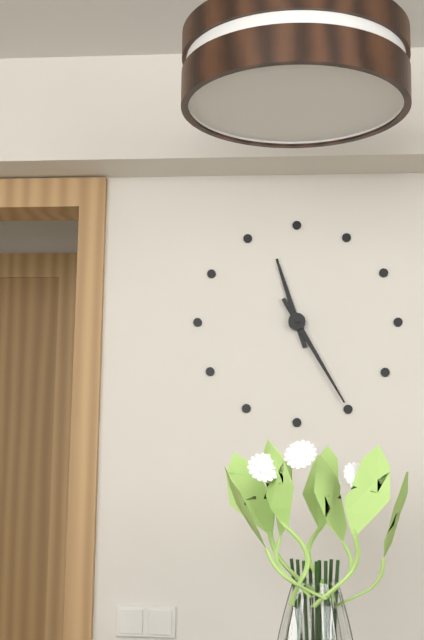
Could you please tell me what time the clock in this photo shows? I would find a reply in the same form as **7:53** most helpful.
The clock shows **11:25**
